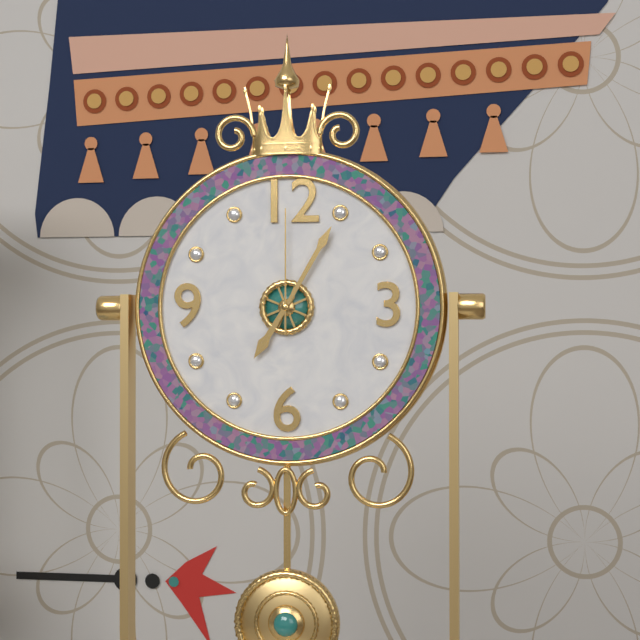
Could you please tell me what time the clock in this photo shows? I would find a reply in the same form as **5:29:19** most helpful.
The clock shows **7:05:00**
